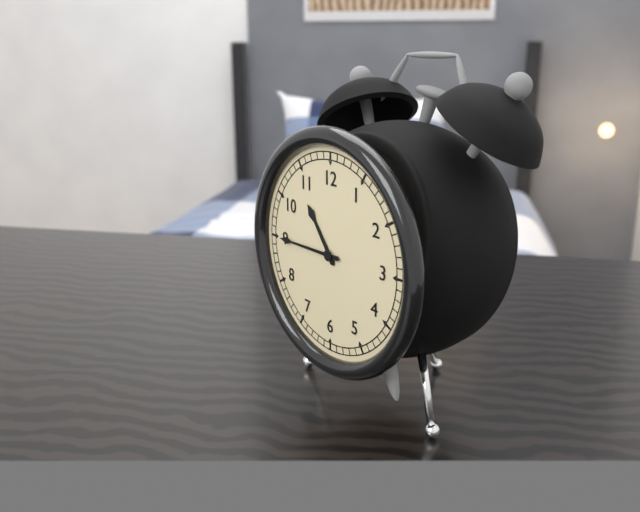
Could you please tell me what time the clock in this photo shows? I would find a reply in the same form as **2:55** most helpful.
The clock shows **10:45**
